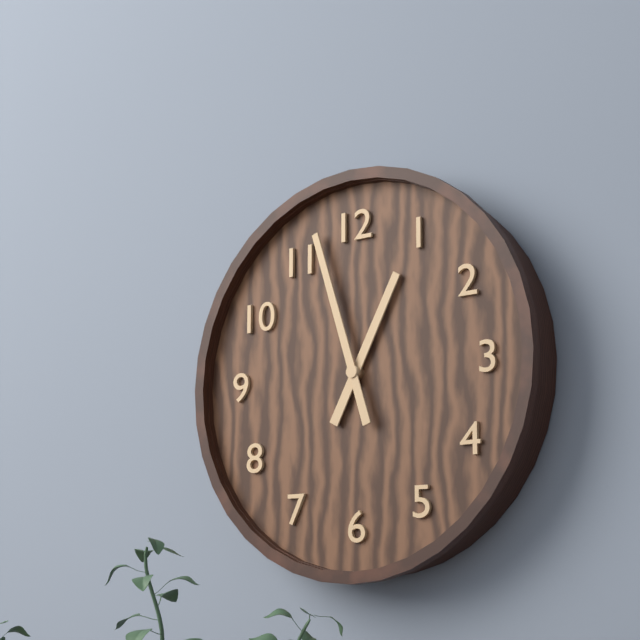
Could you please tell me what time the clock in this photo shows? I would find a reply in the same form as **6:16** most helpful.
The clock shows **12:57**
